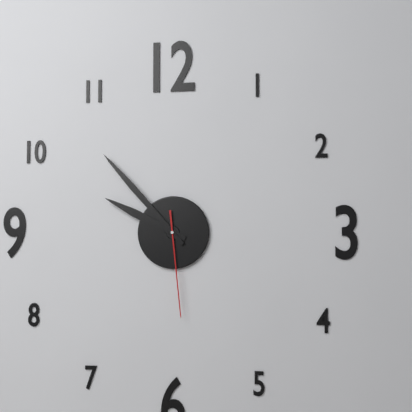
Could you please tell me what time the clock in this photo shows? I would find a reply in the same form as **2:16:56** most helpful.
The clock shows **9:53:29**
